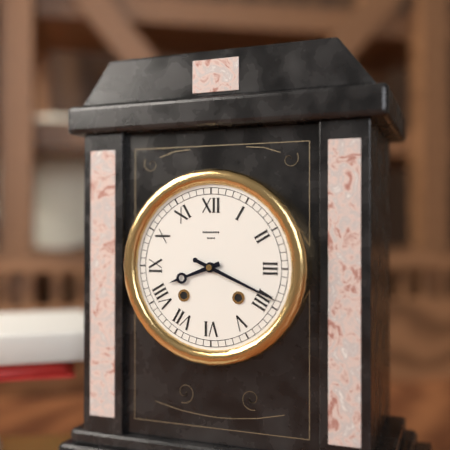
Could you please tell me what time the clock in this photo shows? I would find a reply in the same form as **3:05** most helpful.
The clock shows **8:19**
